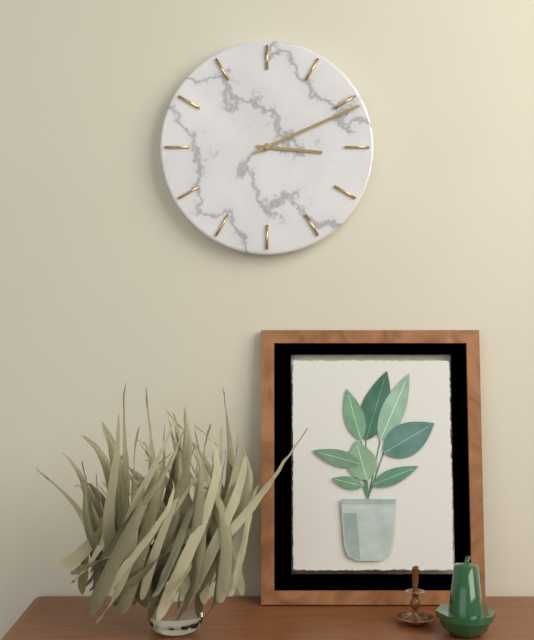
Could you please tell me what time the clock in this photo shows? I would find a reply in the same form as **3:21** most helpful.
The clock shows **3:11**
